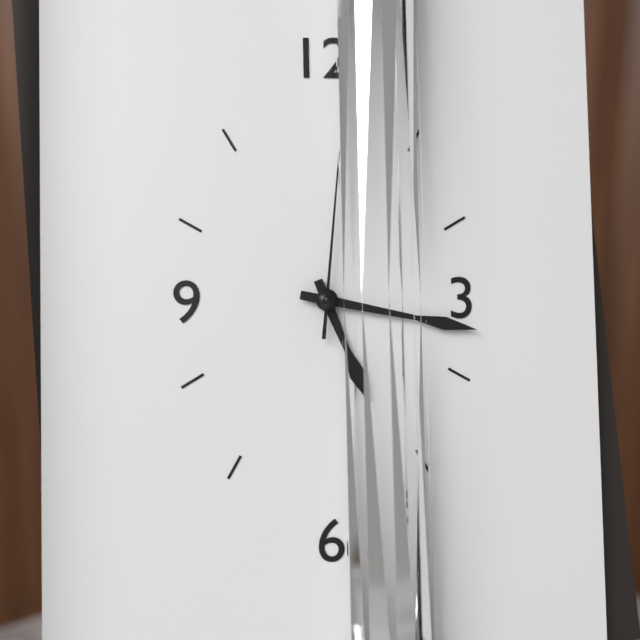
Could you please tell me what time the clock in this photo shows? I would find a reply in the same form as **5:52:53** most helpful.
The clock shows **5:17:01**
